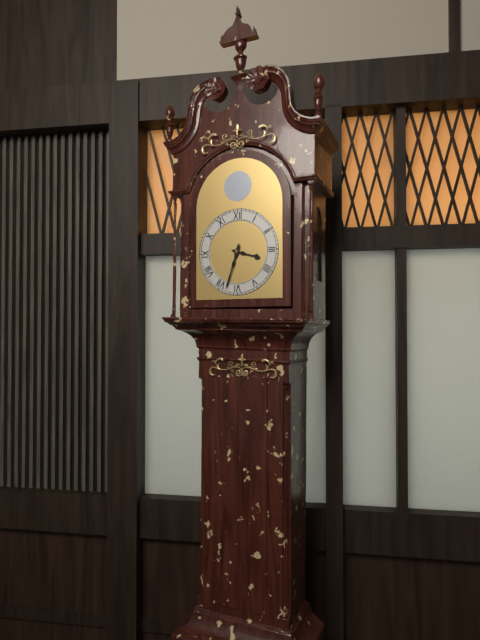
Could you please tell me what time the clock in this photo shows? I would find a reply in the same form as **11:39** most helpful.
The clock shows **3:33**
